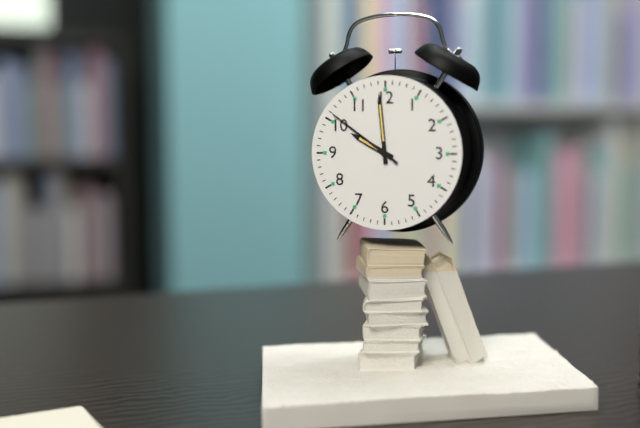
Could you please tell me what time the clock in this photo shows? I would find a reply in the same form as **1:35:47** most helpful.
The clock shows **9:59:51**
